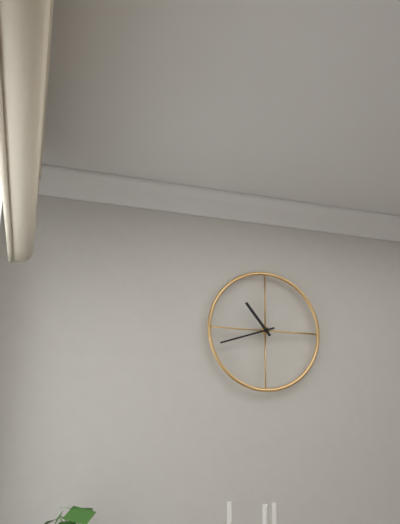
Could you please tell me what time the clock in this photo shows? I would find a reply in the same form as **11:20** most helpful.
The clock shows **10:42**
